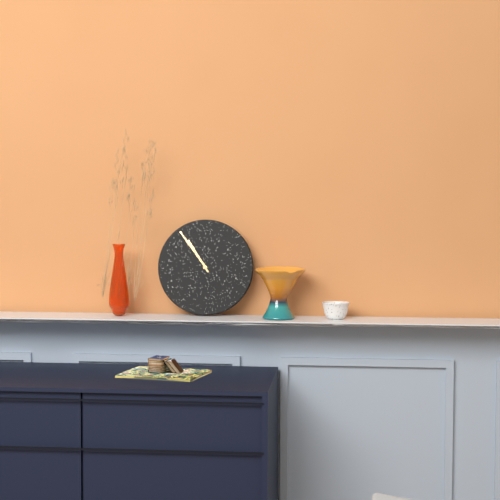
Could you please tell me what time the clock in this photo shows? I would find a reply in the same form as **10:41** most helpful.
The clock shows **10:54**
